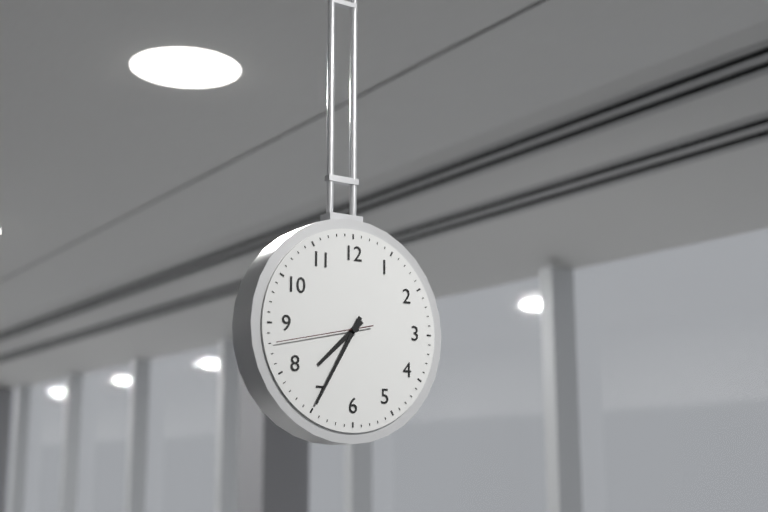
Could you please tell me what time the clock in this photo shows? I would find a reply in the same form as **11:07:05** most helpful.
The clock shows **7:35:43**
